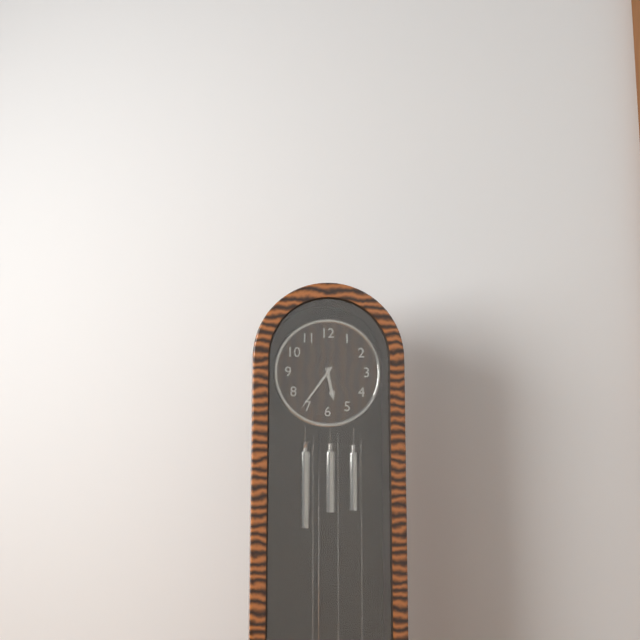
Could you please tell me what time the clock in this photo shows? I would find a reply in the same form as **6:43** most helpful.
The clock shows **5:36**
